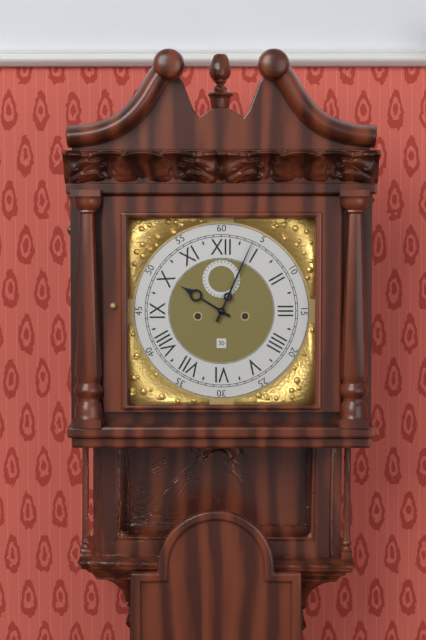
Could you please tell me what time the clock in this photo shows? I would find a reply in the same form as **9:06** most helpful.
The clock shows **10:04**
